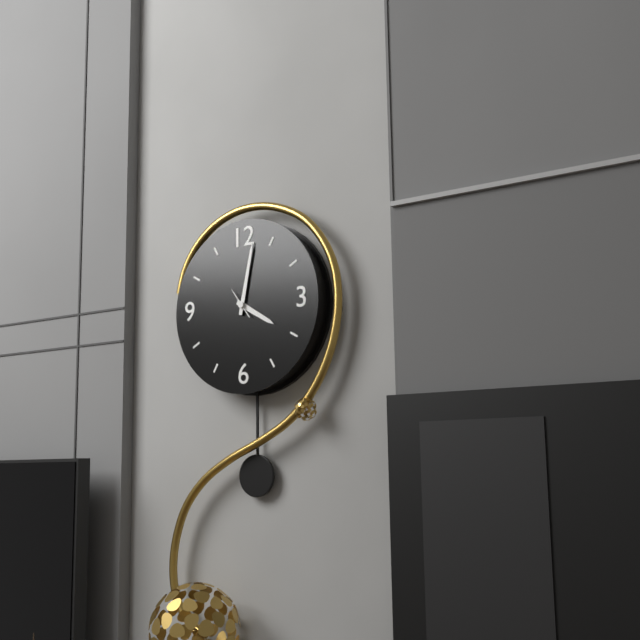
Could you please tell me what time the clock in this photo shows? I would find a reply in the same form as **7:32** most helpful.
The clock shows **4:02**
